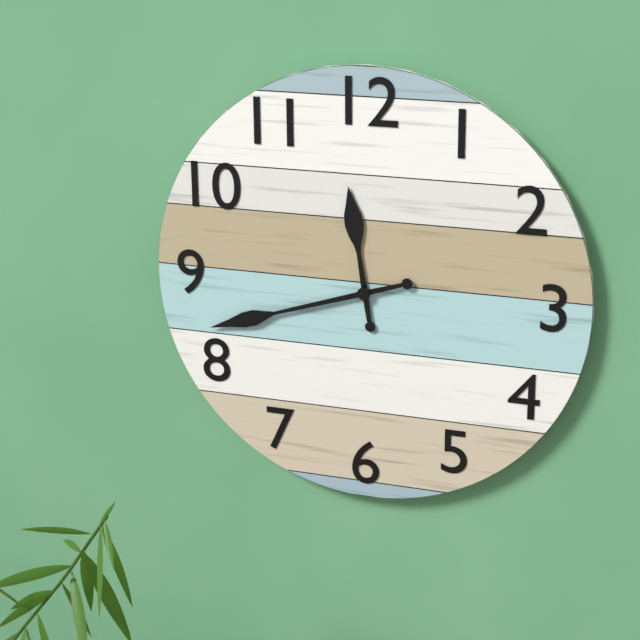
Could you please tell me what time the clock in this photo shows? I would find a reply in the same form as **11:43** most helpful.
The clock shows **11:42**
